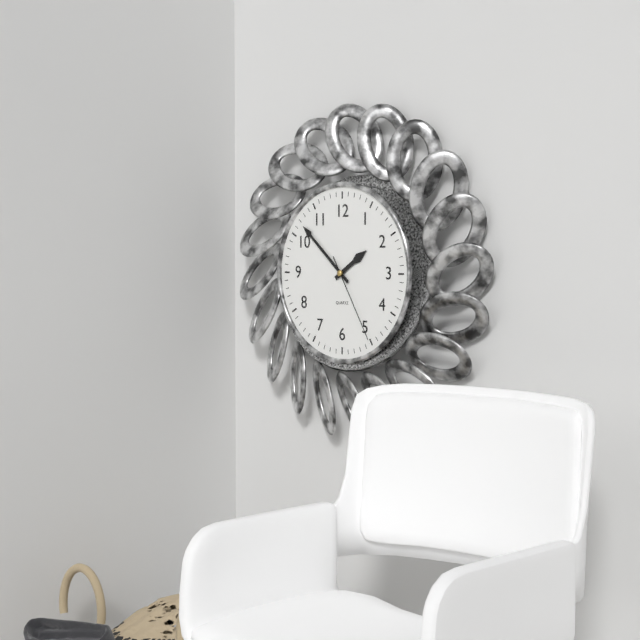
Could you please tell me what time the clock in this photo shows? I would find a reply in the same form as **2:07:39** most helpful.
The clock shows **1:52:25**
